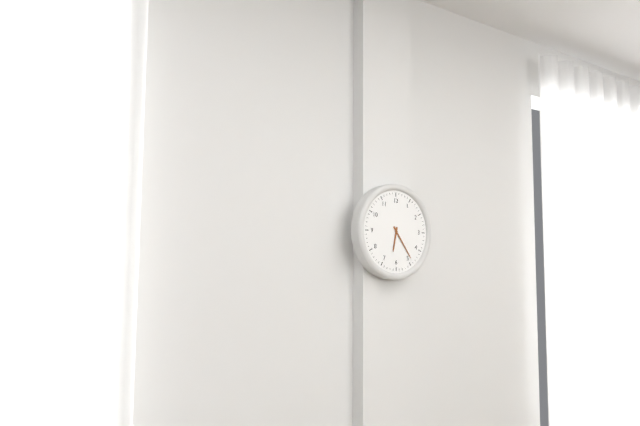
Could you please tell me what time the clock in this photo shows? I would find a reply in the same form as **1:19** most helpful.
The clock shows **6:24**
